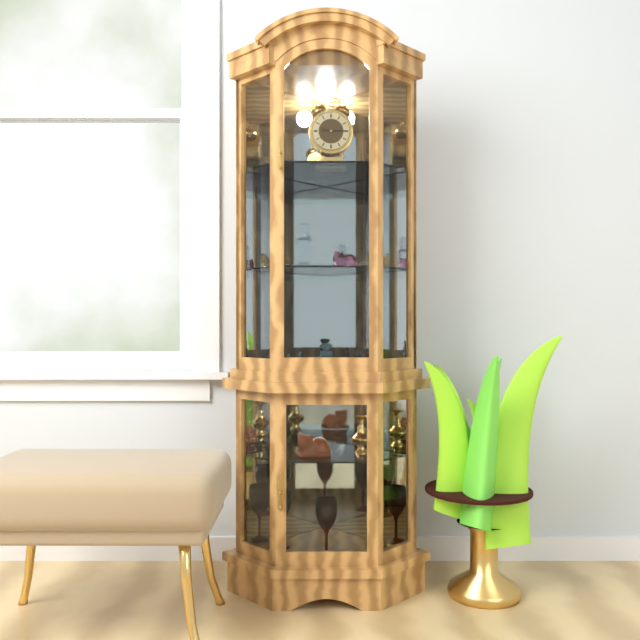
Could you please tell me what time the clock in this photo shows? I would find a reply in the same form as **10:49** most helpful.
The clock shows **9:15**
